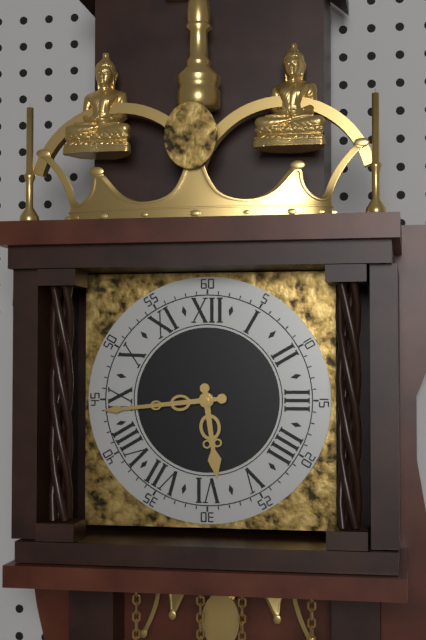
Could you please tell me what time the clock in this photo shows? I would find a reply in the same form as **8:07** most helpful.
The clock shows **5:44**
